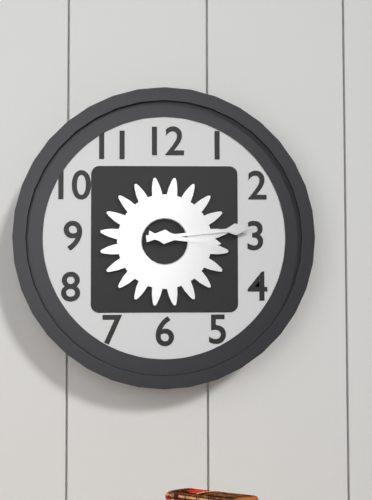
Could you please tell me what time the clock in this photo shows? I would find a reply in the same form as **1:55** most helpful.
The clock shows **3:14**
